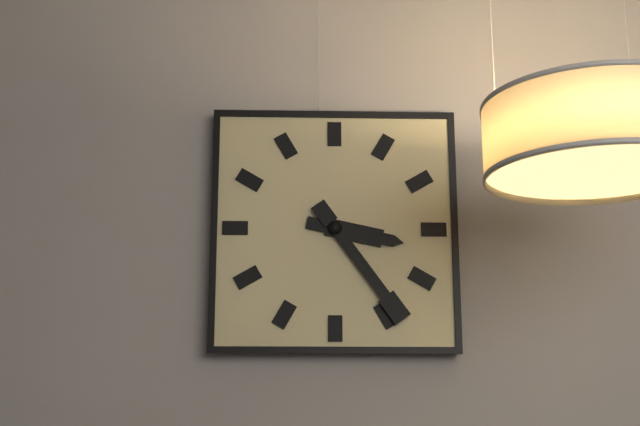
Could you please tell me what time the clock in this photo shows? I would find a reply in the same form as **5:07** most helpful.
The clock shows **3:24**
